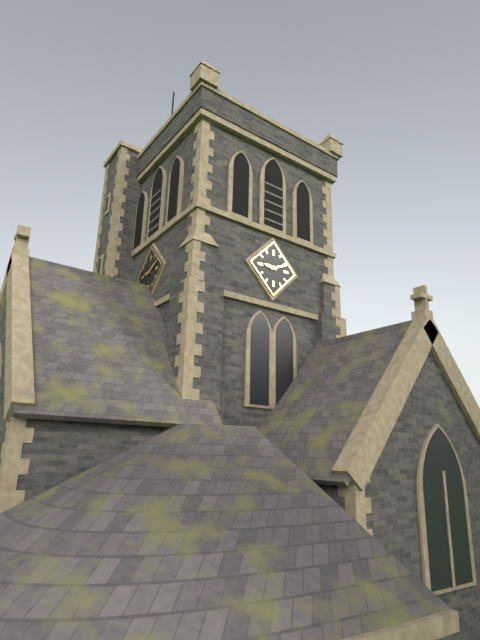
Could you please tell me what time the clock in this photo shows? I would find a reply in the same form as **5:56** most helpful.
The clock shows **9:11**
